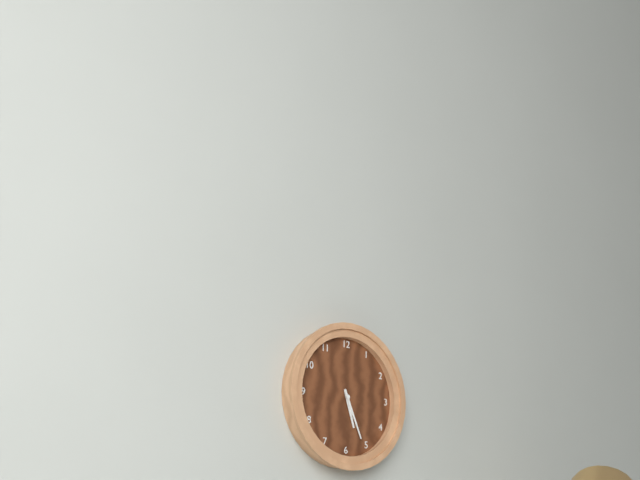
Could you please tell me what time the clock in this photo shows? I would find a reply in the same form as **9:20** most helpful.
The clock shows **5:26**
